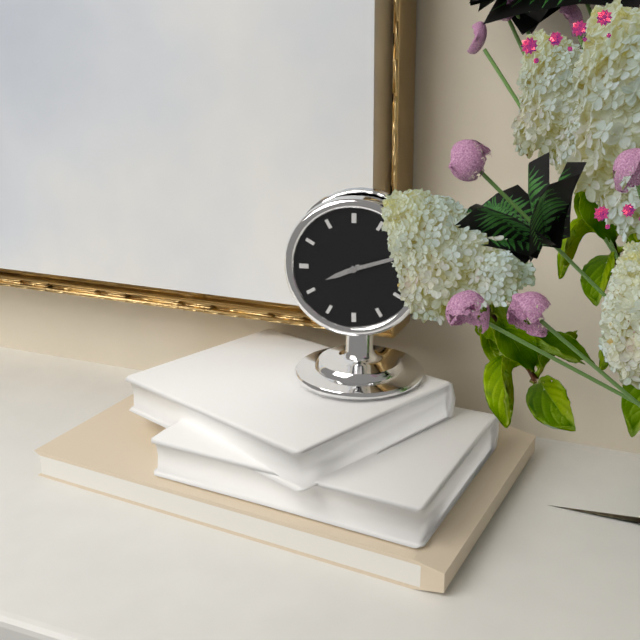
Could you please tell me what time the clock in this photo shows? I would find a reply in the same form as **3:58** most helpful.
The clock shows **8:12**
